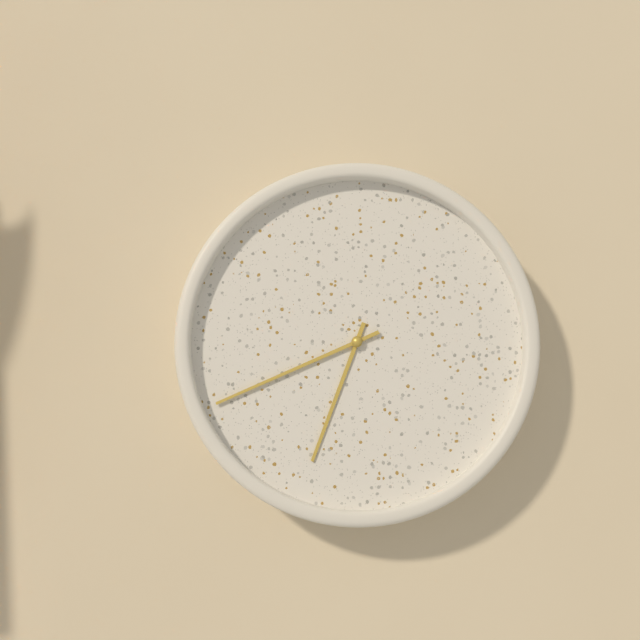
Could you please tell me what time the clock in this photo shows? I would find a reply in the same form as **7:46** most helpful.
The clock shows **6:41**
